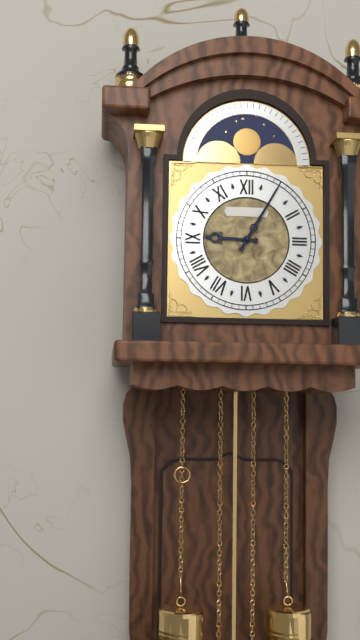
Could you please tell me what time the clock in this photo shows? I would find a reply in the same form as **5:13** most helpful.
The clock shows **9:05**
